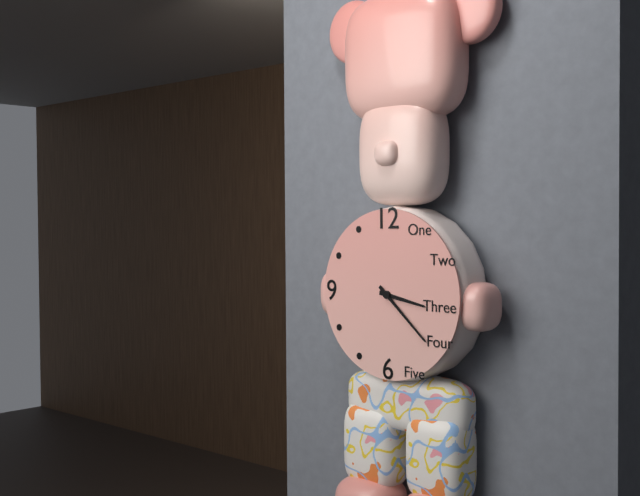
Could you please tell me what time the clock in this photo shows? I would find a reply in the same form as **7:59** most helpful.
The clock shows **3:22**
